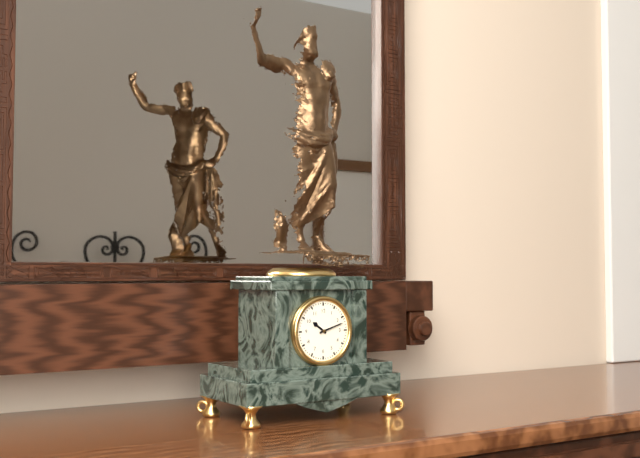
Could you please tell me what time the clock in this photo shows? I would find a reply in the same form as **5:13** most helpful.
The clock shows **10:12**
